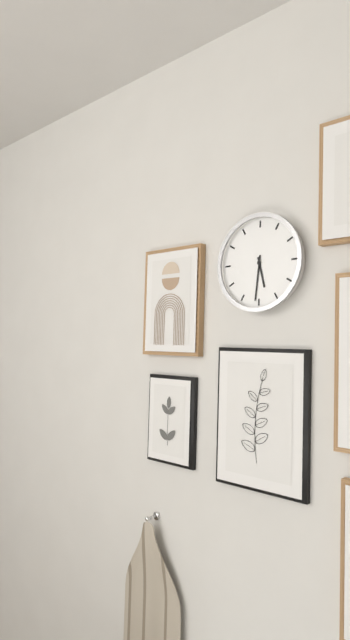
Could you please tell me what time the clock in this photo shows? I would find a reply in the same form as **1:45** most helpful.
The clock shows **5:31**
